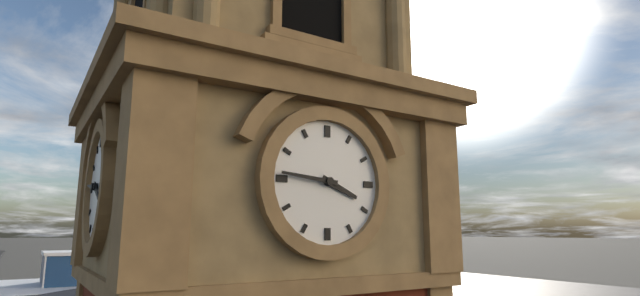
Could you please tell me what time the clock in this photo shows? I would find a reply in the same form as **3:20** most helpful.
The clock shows **3:46**
